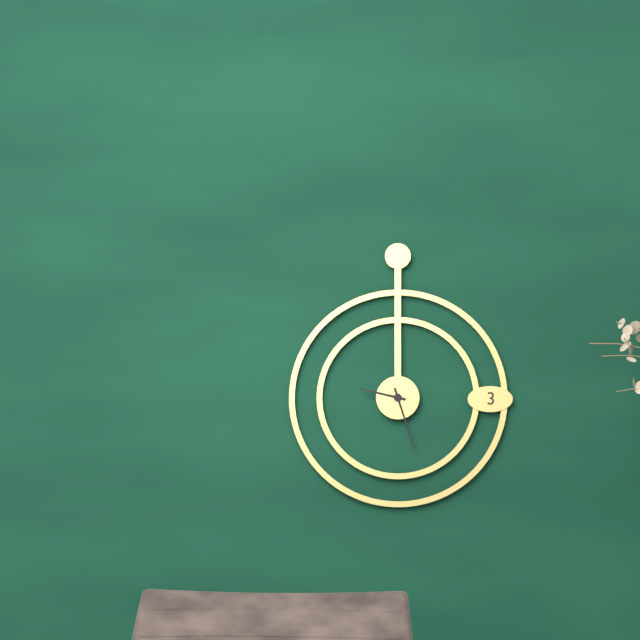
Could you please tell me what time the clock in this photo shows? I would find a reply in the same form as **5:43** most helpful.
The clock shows **9:27**
